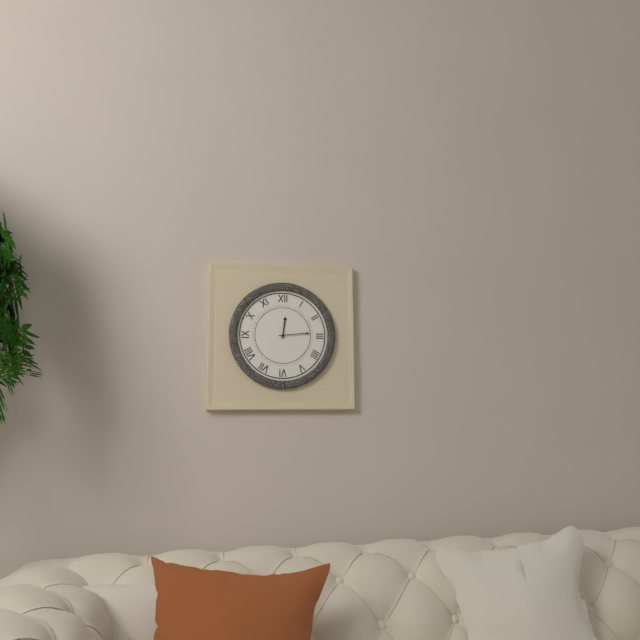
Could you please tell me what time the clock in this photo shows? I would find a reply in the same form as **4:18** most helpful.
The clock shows **12:14**
